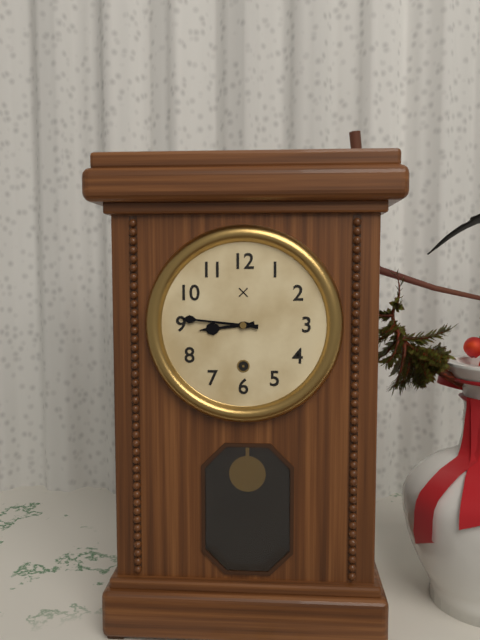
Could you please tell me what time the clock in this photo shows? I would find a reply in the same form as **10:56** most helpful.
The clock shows **8:46**
